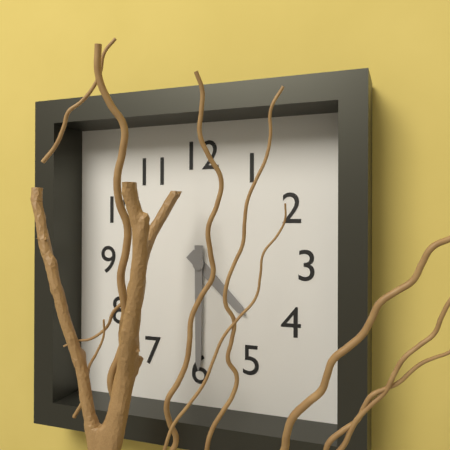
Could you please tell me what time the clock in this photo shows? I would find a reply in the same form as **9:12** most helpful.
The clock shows **4:30**
